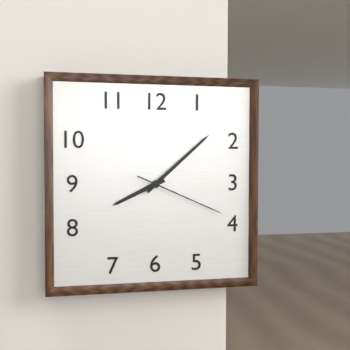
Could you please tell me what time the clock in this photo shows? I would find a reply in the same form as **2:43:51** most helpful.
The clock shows **8:08:19**
